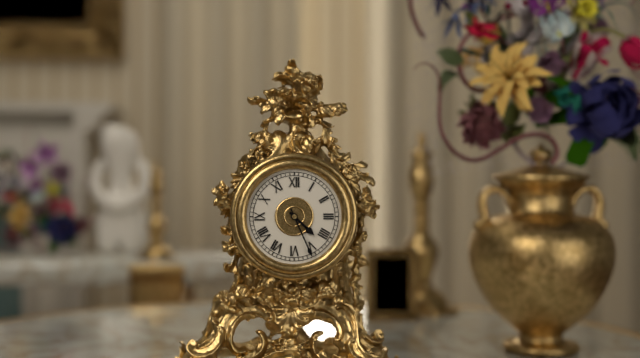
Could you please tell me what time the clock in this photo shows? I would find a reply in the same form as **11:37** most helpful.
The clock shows **4:26**
